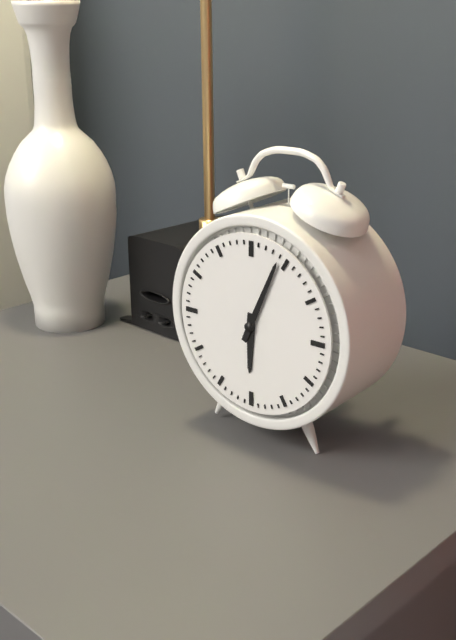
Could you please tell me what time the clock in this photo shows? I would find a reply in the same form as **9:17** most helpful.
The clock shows **6:04**
